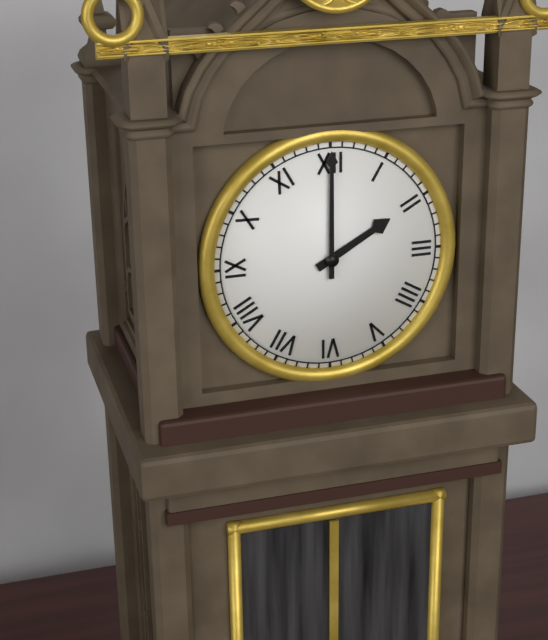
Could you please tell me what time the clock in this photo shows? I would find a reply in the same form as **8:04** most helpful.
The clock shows **2:00**
